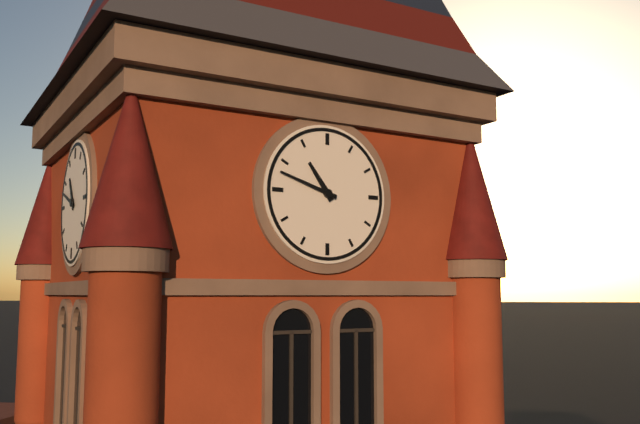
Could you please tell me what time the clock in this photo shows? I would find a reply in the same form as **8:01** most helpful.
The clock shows **10:48**
